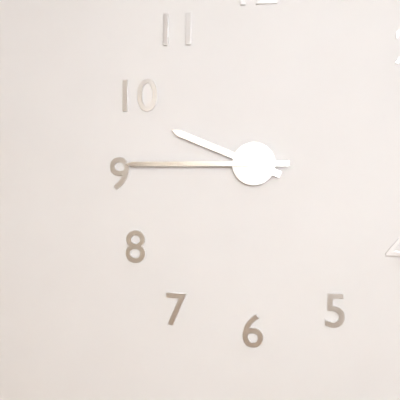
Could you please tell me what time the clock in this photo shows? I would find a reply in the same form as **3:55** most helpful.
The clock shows **9:45**
